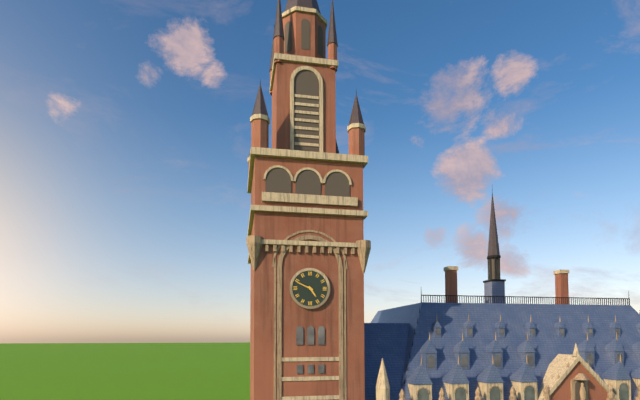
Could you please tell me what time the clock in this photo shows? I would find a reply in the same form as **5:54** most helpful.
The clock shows **4:49**
